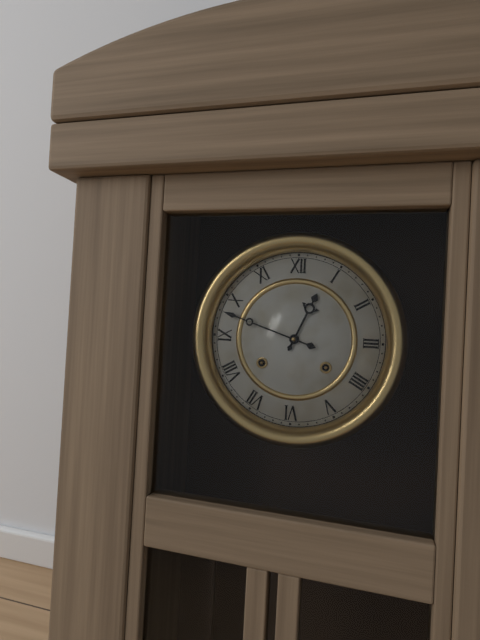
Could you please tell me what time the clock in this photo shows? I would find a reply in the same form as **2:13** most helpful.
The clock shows **12:48**
